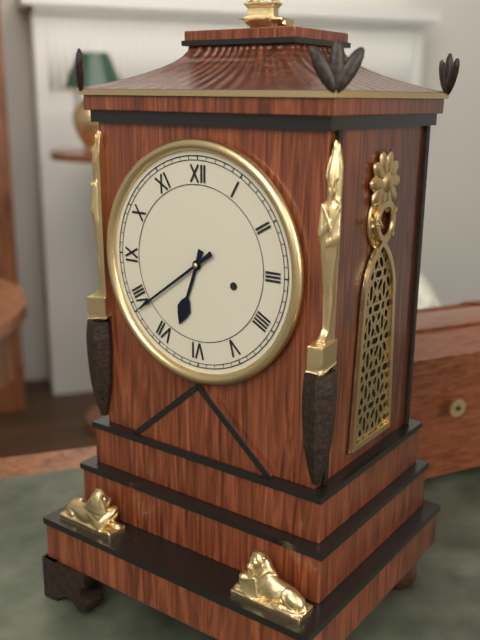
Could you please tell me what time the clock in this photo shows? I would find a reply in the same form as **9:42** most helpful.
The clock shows **6:39**
